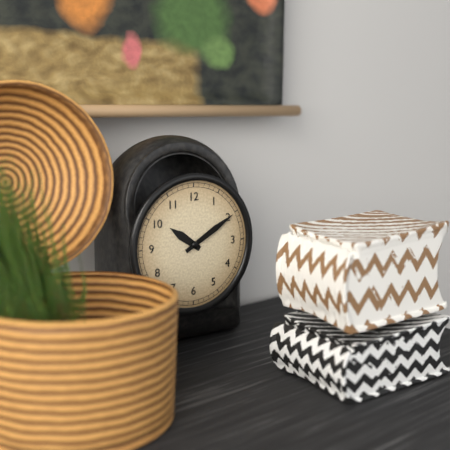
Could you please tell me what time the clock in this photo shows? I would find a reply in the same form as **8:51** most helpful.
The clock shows **10:10**
